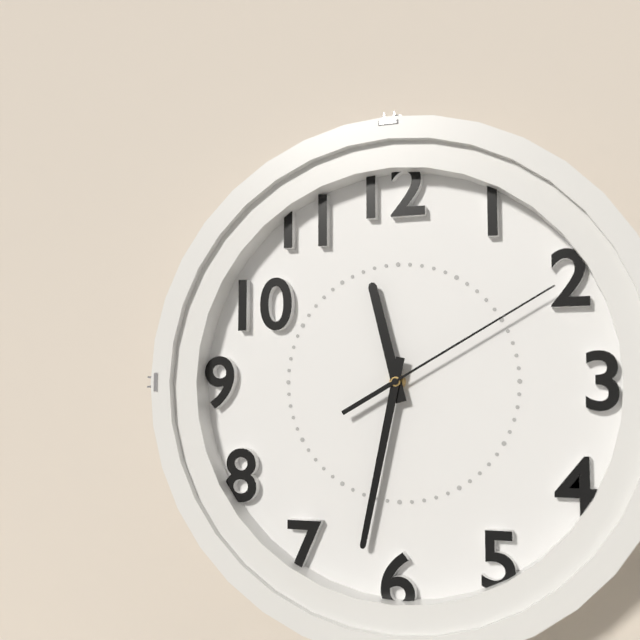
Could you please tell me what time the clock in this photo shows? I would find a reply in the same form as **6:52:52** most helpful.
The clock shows **11:32:10**
